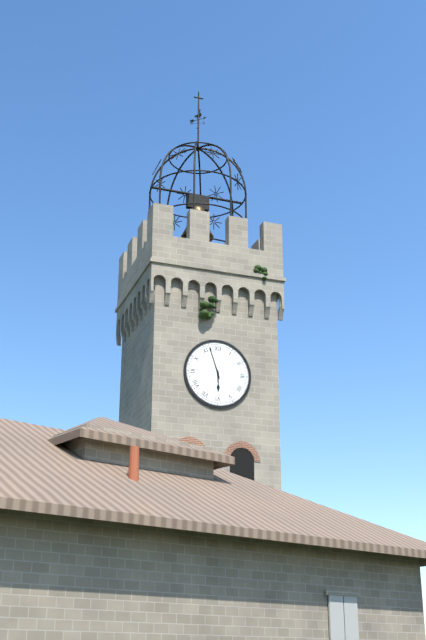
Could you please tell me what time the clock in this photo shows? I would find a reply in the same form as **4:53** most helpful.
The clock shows **5:57**
